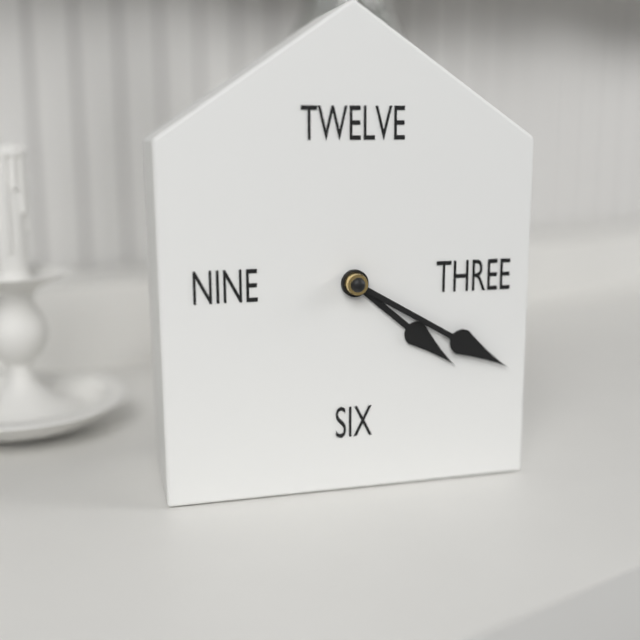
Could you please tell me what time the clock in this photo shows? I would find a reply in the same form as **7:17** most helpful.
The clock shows **4:20**
